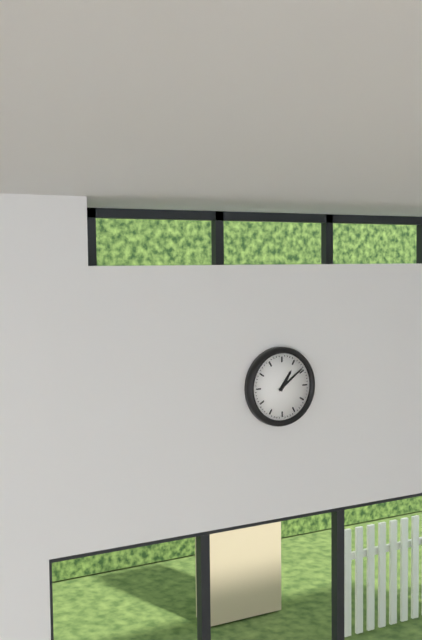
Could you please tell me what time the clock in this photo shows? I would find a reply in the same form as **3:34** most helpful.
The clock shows **1:09**
